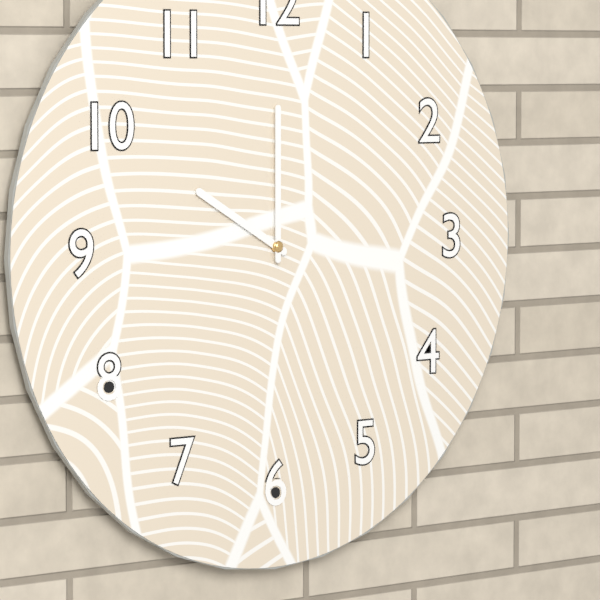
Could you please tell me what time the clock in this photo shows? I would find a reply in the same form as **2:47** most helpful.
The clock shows **10:00**
